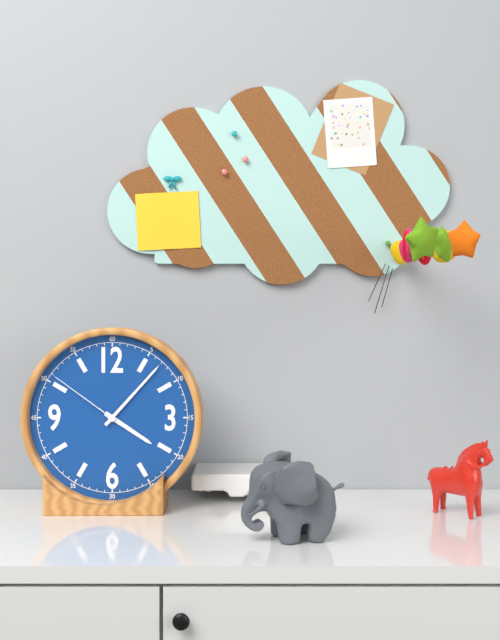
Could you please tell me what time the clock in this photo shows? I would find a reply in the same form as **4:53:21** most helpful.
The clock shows **4:07:51**
